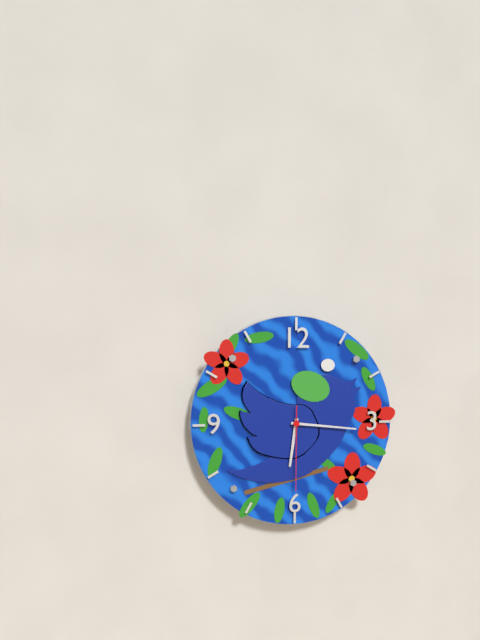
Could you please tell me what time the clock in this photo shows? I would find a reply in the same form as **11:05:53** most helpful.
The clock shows **6:16:30**
